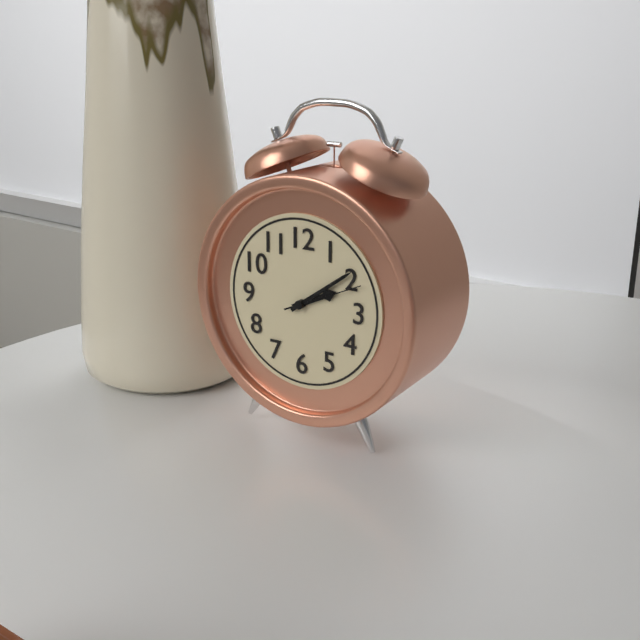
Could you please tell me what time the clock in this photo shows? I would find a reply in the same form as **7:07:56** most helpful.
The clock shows **2:09:11**
